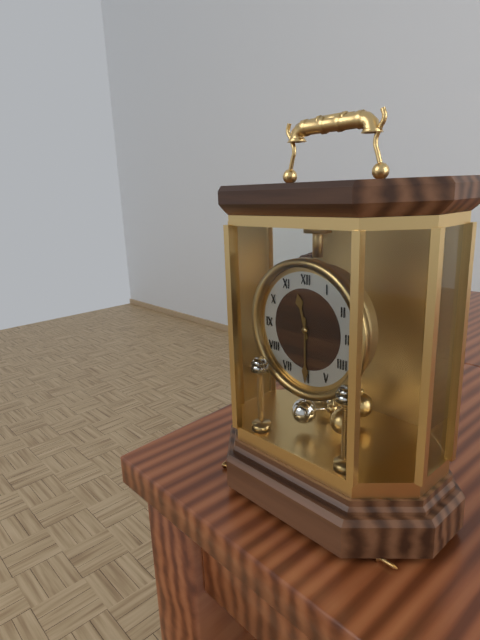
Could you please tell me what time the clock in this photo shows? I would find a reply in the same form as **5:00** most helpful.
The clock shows **11:30**
